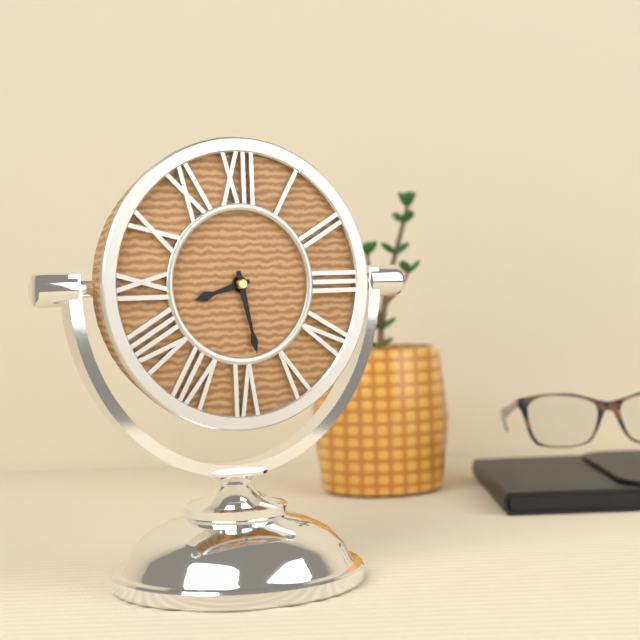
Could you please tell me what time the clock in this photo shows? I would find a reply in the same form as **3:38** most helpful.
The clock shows **8:28**
